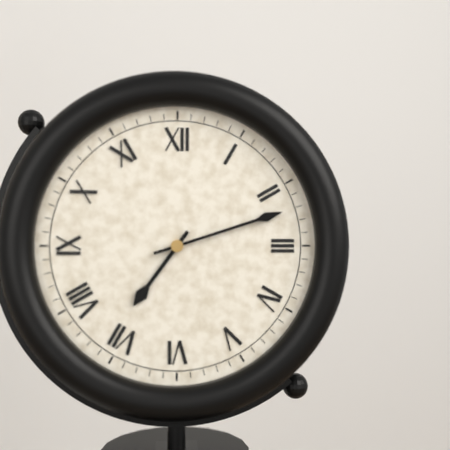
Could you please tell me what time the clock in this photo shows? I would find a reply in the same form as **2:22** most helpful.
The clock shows **7:12**
